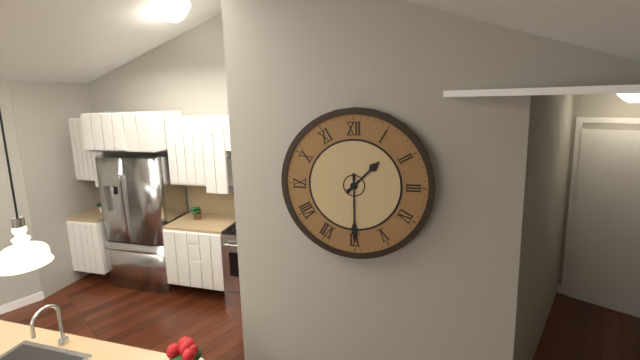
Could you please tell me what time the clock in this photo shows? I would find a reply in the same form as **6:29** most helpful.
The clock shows **1:30**
